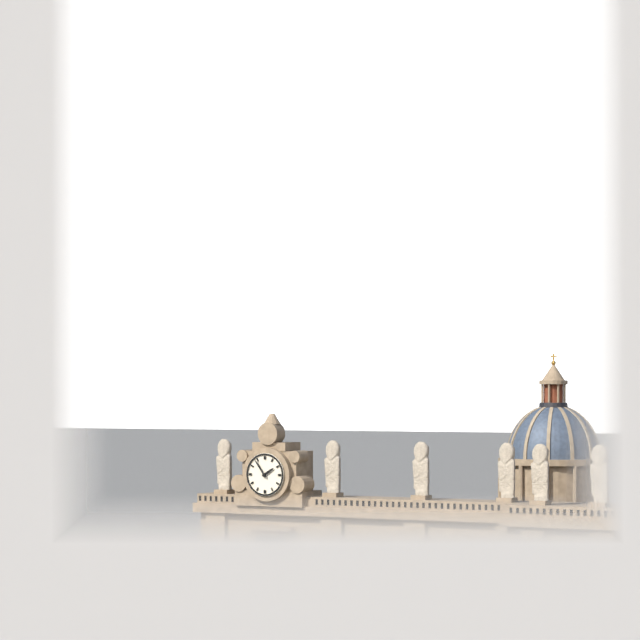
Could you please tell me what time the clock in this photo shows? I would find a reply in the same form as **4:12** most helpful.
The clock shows **1:54**
